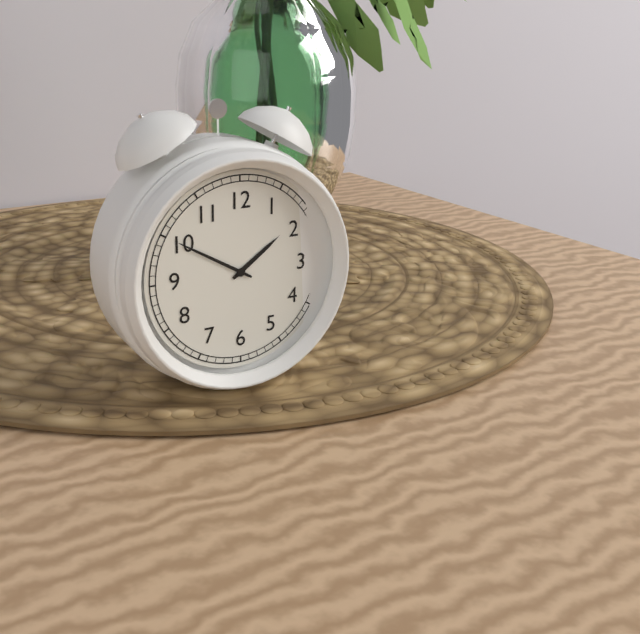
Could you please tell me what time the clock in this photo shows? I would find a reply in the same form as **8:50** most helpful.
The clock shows **1:50**
